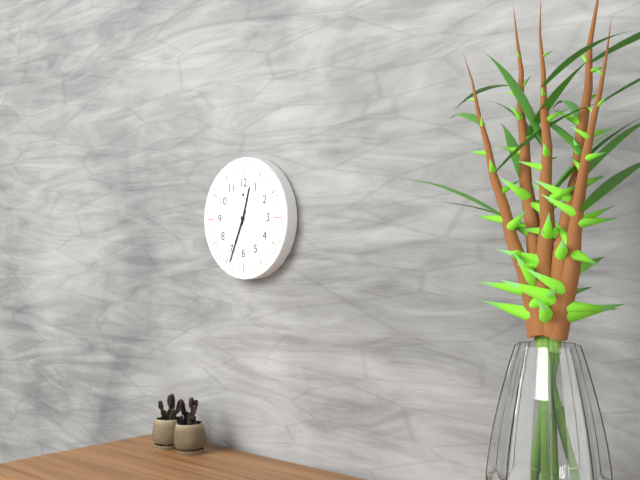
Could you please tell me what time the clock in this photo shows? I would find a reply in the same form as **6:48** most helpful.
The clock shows **12:34**
